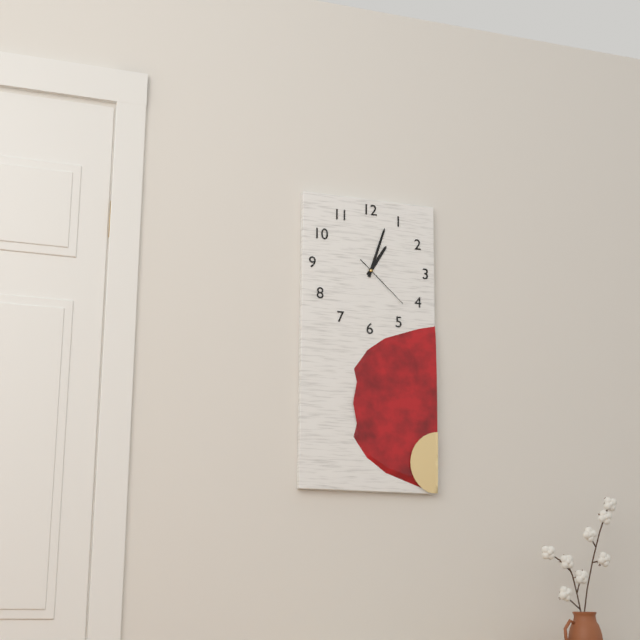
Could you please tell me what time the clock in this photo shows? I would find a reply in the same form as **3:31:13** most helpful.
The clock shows **1:03:22**
